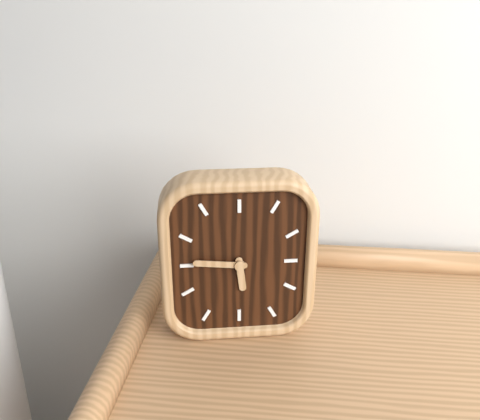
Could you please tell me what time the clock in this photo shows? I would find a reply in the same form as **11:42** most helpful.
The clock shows **5:46**
